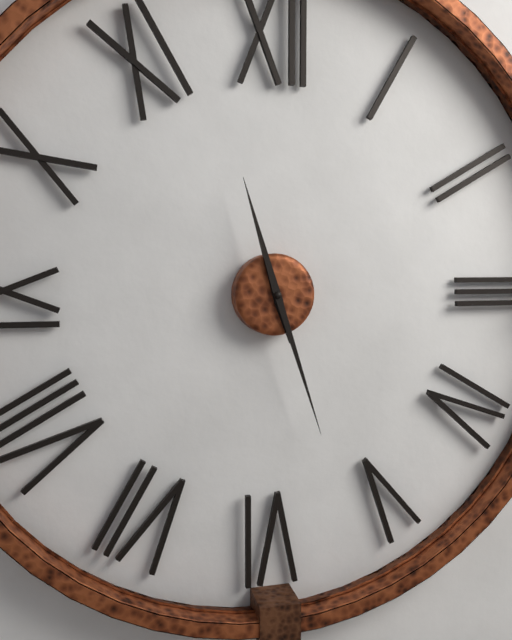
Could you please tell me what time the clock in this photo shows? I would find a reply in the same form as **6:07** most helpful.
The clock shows **11:27**
